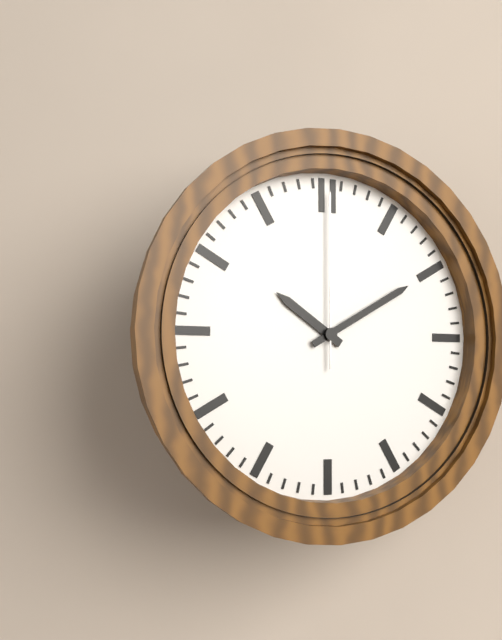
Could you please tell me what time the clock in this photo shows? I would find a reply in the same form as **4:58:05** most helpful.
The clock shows **10:10:00**
